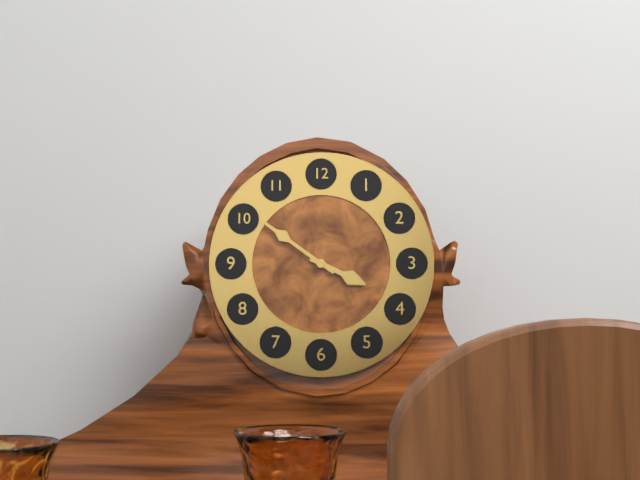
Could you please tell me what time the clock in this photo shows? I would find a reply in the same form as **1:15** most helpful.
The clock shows **3:51**
